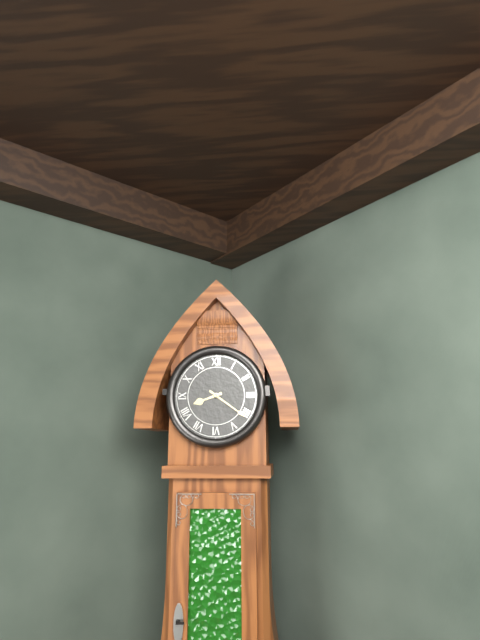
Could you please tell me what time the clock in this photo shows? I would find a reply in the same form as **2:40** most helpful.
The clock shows **8:21**
